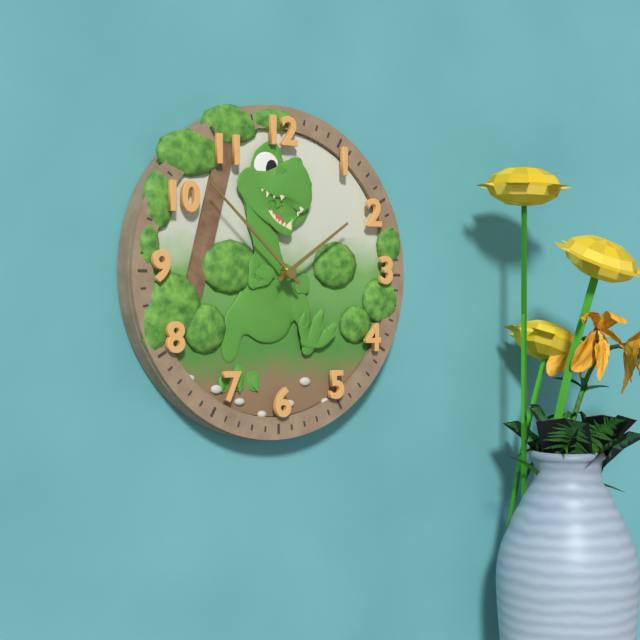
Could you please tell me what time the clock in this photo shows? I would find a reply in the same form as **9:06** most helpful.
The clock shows **1:52**
